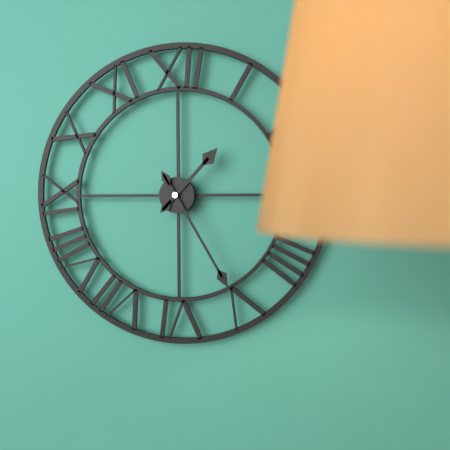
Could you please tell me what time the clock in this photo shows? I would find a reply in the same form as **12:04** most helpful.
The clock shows **1:25**
